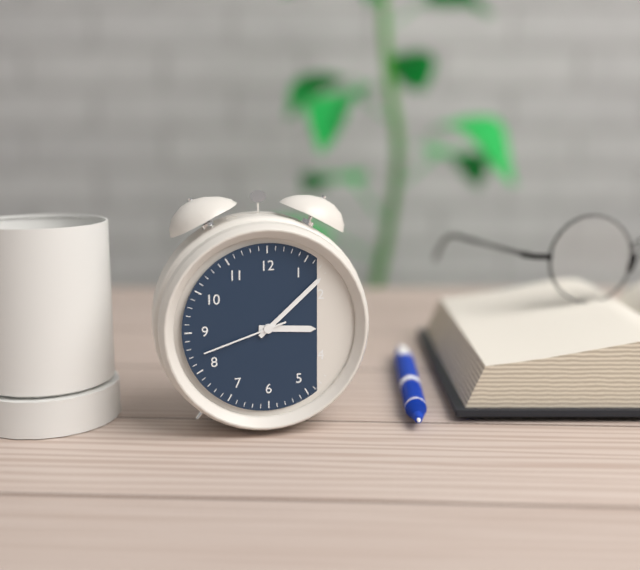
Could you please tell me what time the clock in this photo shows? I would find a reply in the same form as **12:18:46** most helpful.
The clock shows **3:08:42**
